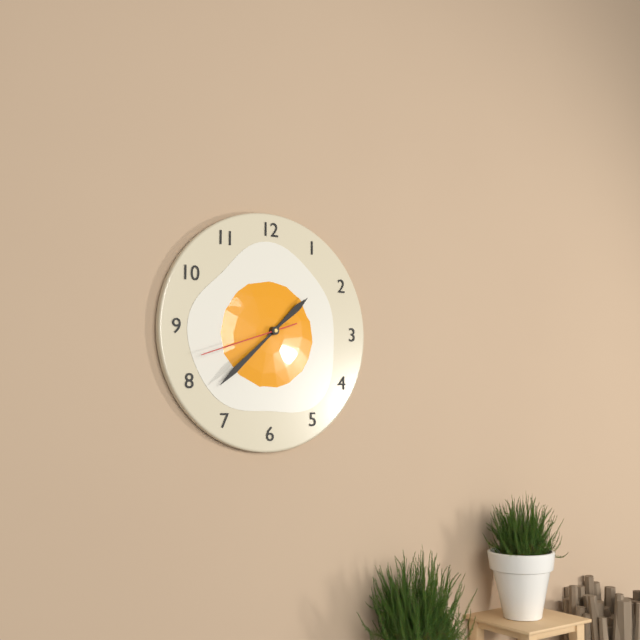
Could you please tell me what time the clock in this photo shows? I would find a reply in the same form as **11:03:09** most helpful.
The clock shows **1:38:42**
